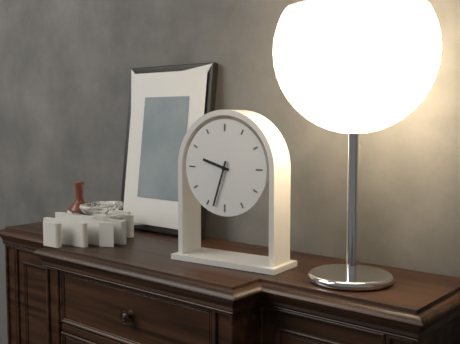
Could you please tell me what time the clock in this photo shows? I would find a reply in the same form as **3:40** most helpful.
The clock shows **9:33**
